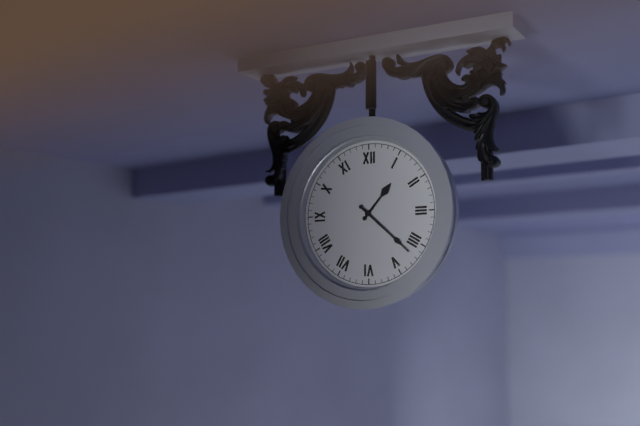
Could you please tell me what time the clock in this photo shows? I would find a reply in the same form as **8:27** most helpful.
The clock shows **1:22**
